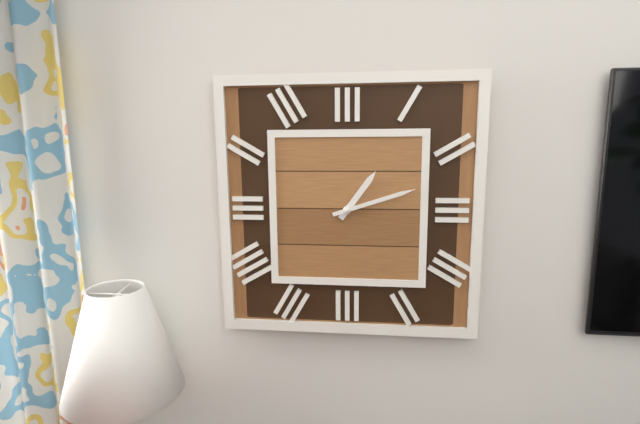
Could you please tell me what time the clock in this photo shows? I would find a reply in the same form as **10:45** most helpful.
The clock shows **1:12**
